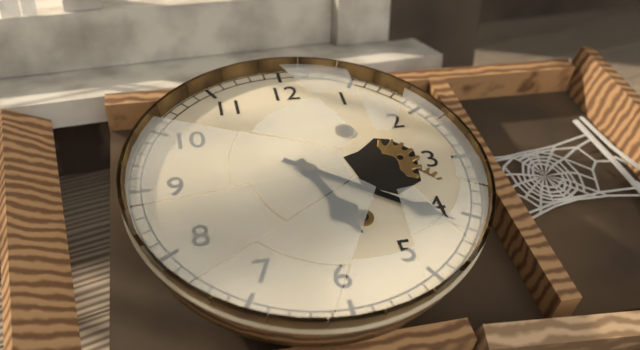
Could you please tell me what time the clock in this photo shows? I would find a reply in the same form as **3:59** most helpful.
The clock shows **5:21**
